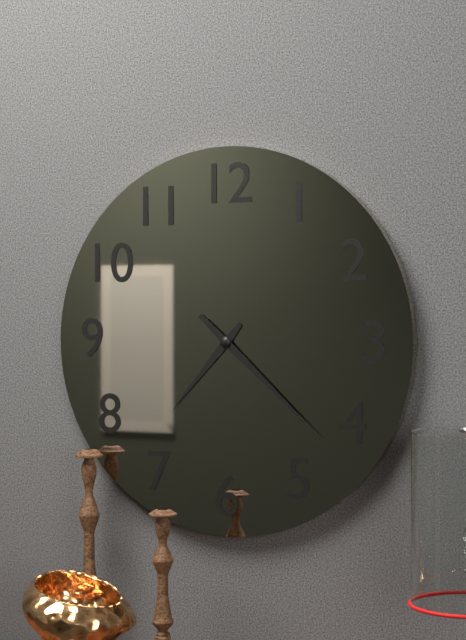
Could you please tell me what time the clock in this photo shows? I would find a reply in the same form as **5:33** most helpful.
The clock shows **7:22**
